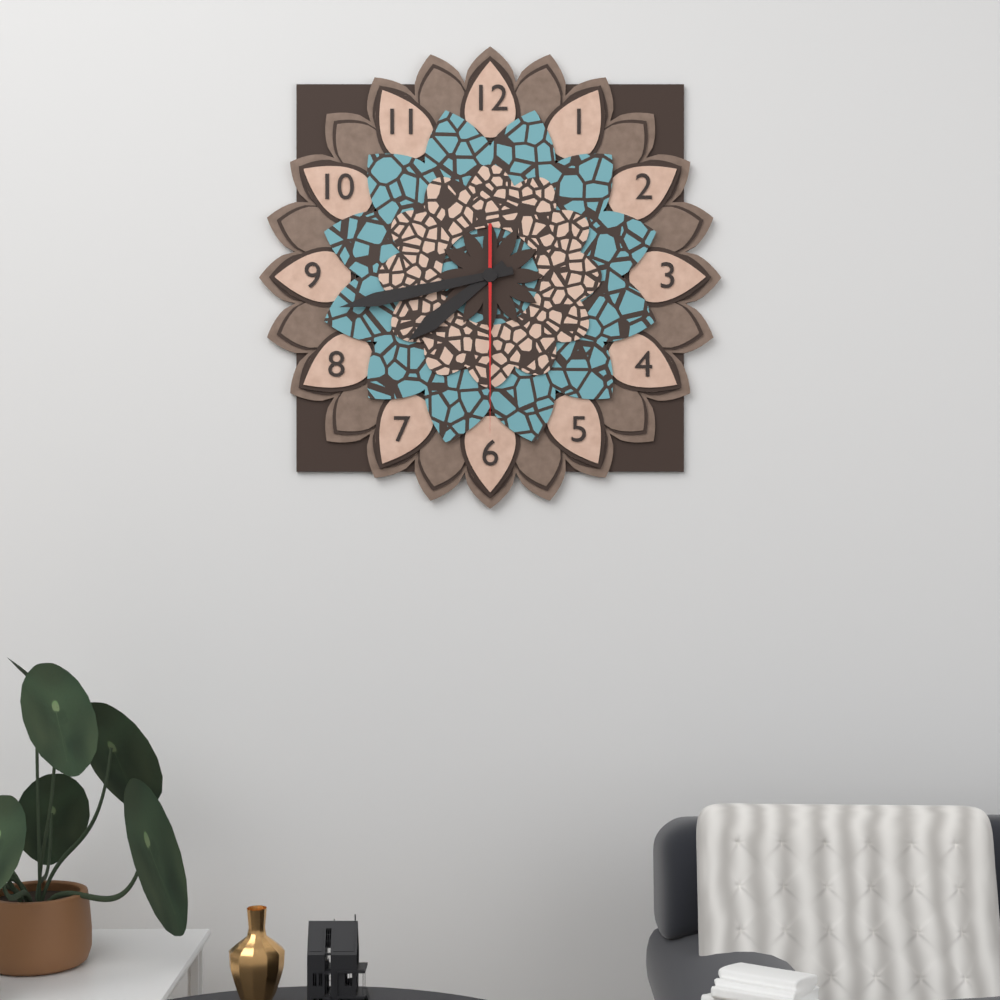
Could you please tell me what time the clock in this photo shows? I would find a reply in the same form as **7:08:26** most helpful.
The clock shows **7:43:30**
